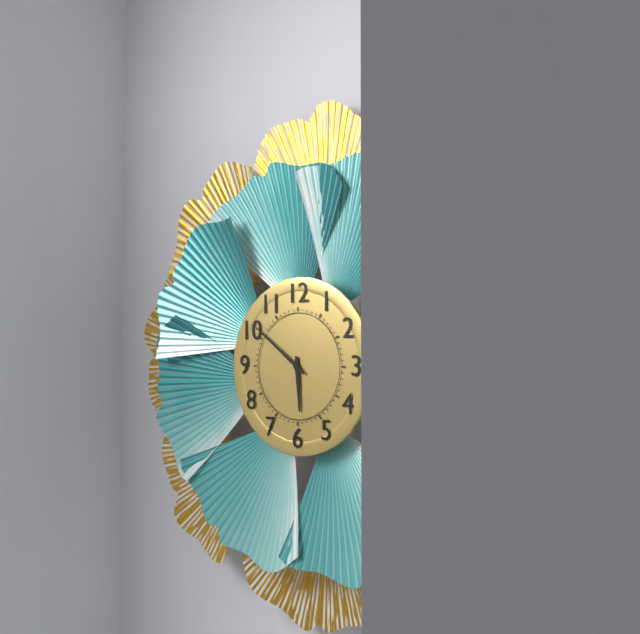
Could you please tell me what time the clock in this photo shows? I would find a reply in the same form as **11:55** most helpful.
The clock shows **5:51**
